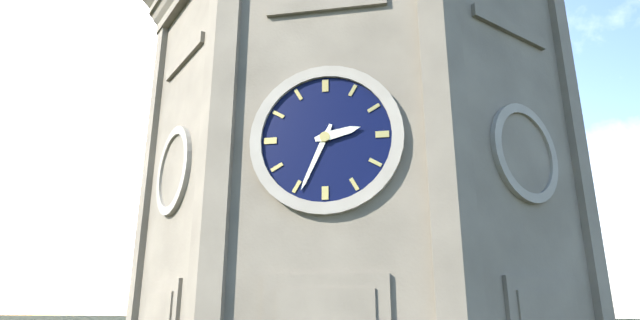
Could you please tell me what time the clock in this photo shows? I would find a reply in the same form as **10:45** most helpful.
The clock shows **2:34**
